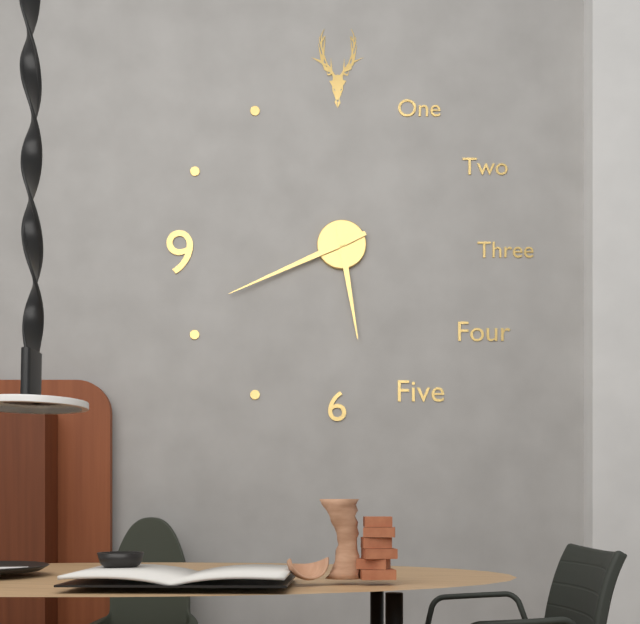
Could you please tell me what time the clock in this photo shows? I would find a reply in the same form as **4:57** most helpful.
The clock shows **5:41**
